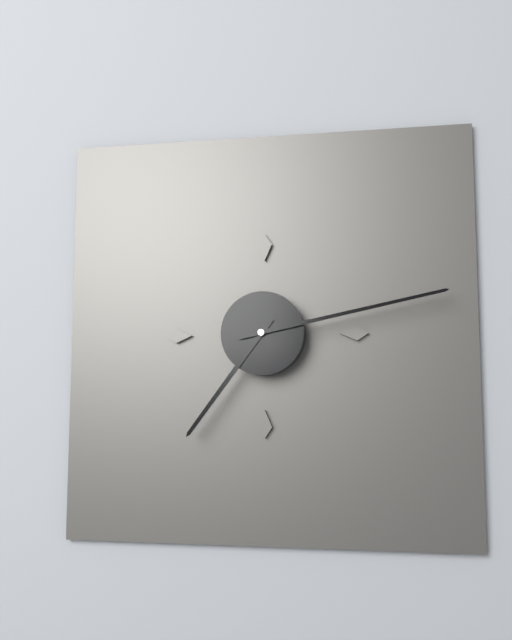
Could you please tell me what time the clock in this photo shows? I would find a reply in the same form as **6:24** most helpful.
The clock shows **7:13**
